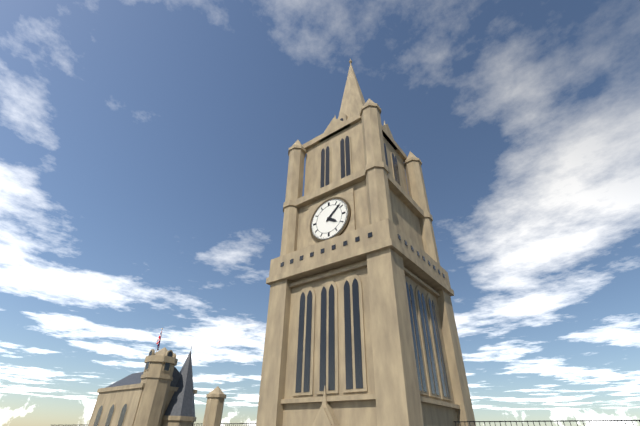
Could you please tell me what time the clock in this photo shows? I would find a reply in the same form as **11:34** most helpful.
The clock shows **4:08**
